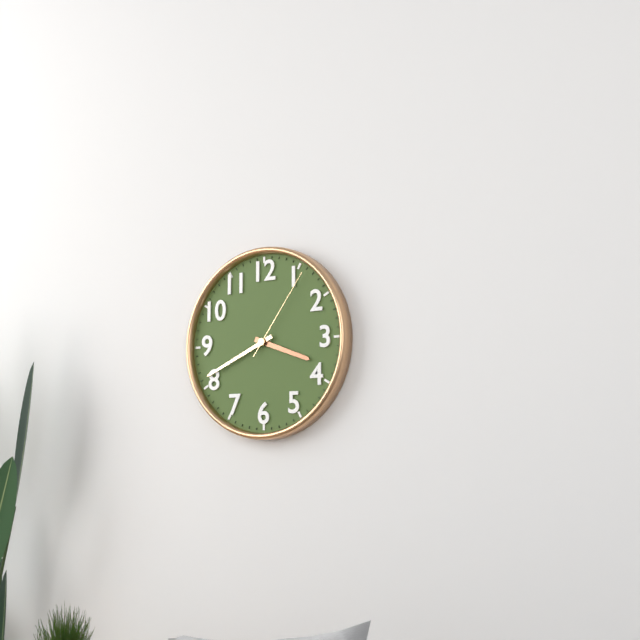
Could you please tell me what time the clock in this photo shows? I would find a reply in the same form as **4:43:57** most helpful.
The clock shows **3:41:06**
